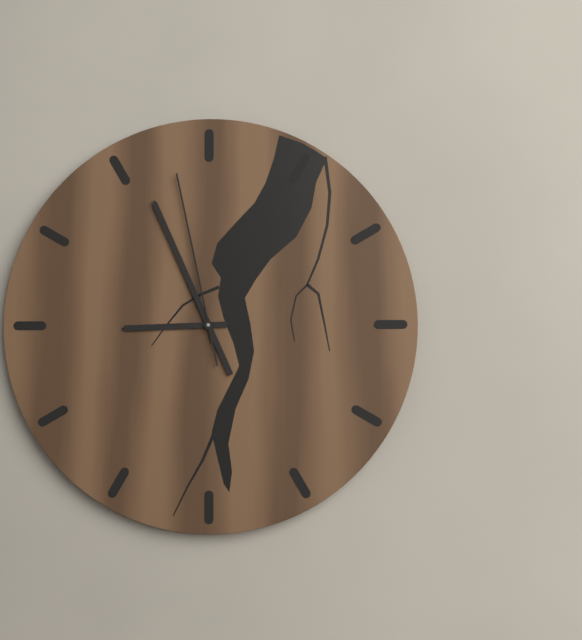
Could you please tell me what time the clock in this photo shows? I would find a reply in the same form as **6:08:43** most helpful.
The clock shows **8:56:58**
